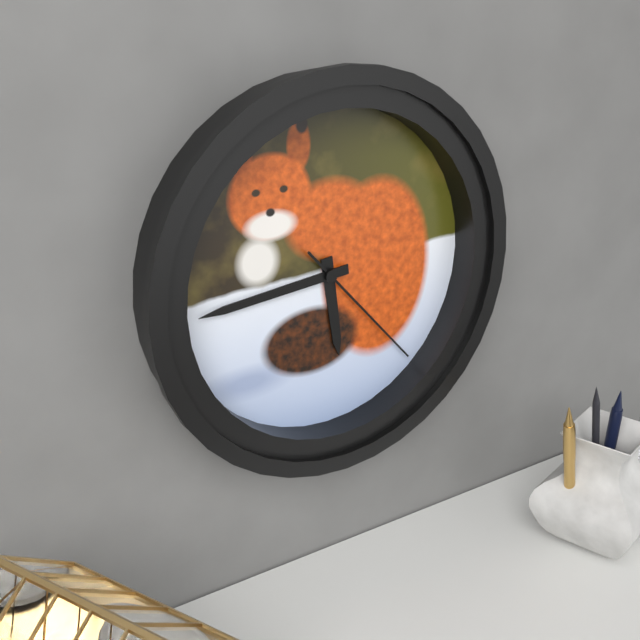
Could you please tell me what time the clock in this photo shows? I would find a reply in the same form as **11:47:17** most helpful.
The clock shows **5:44:23**
